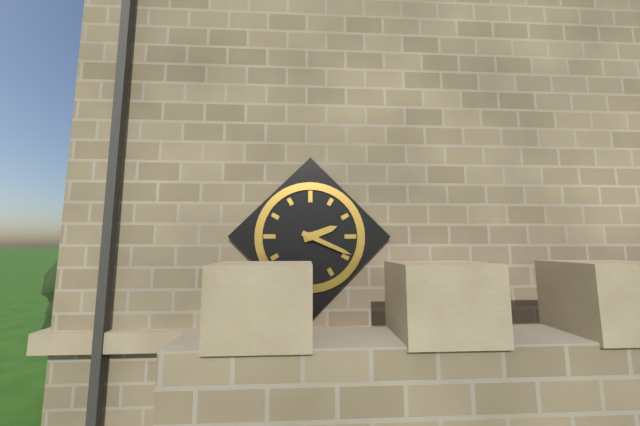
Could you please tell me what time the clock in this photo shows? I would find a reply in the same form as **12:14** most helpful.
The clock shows **2:19**
